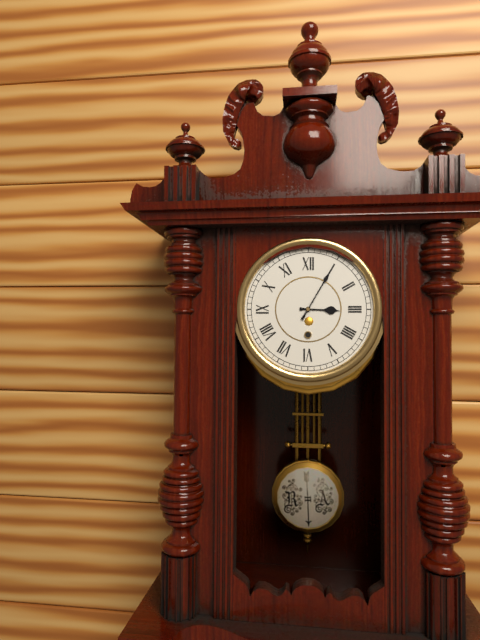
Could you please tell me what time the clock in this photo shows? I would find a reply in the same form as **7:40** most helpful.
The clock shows **3:05**
